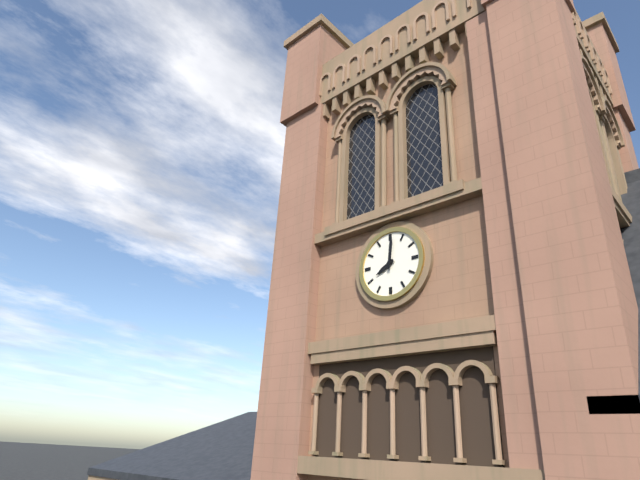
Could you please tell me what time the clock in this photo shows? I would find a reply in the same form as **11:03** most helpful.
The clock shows **8:01**
